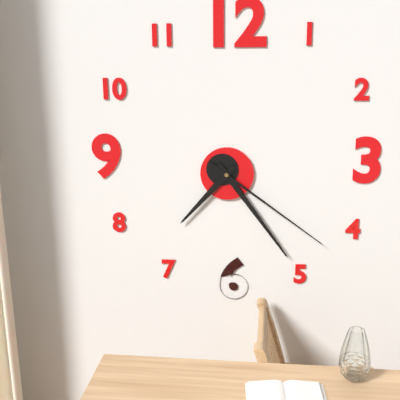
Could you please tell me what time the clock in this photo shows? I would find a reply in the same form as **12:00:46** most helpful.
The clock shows **7:24:21**
